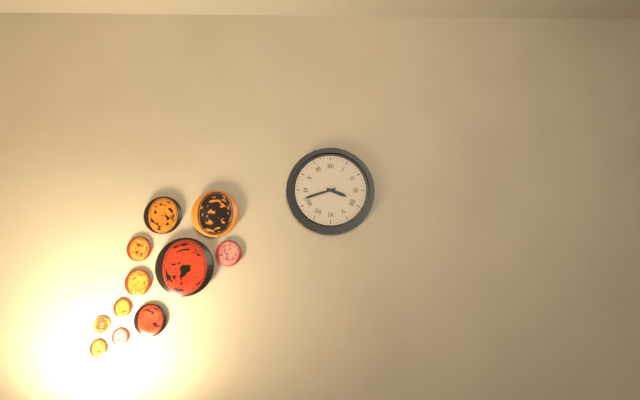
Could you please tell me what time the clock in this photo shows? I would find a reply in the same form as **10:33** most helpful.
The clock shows **3:42**
